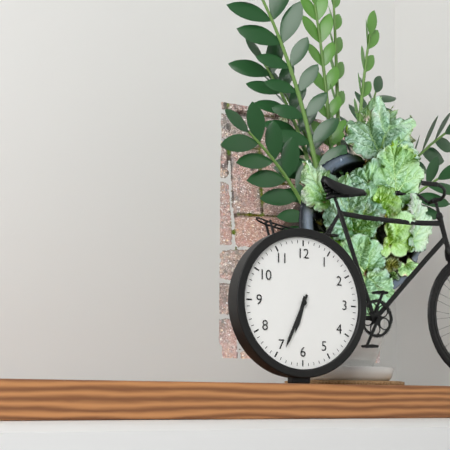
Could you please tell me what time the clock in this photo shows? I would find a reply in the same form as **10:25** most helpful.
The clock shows **6:34**
